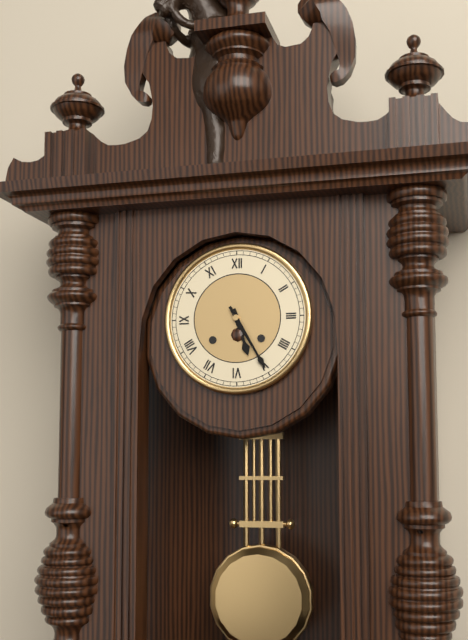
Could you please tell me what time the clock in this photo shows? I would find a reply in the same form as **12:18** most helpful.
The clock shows **5:25**
